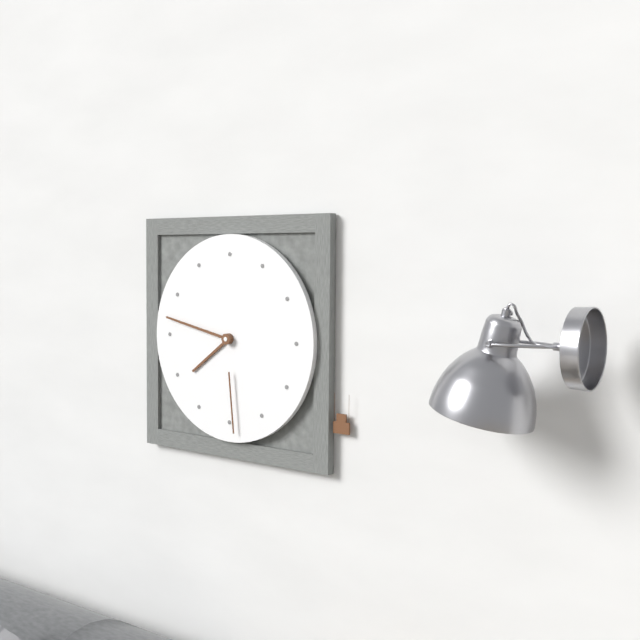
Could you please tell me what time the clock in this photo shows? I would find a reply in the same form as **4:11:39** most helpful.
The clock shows **7:47:29**
